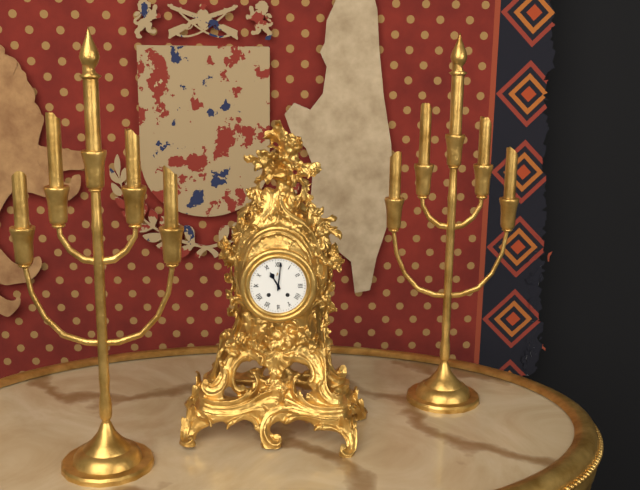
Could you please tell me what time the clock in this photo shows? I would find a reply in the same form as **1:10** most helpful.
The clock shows **11:01**
